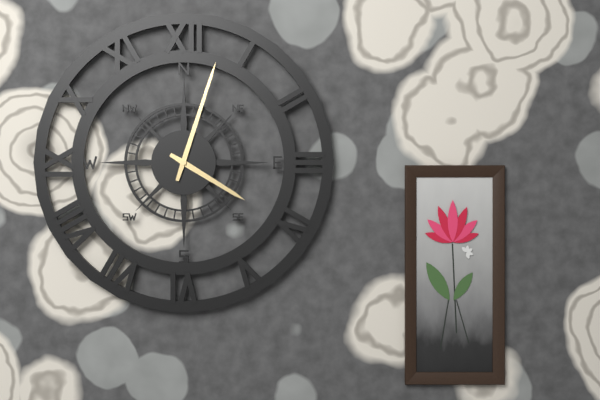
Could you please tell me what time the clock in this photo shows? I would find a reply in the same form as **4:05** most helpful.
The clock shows **4:03**
